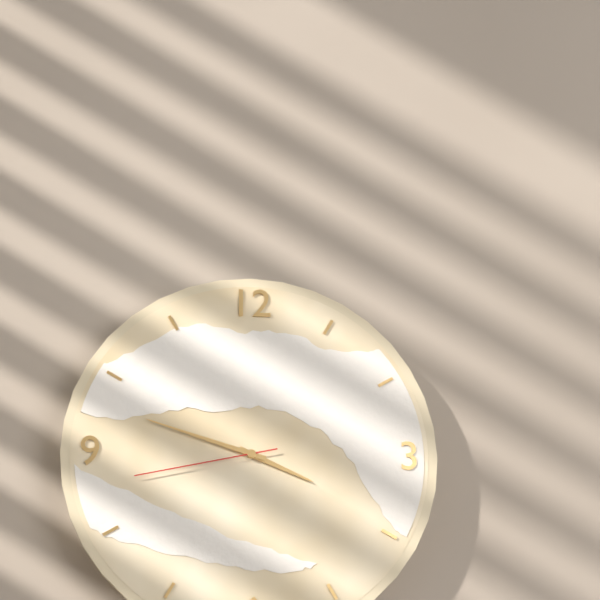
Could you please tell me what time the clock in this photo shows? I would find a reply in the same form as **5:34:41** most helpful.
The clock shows **3:48:43**
